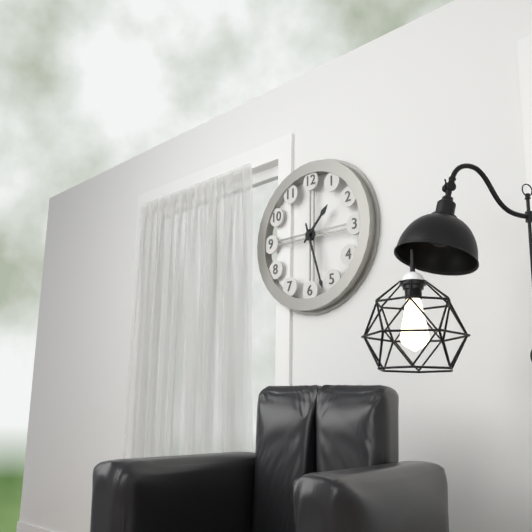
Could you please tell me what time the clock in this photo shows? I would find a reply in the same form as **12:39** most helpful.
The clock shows **1:27**
